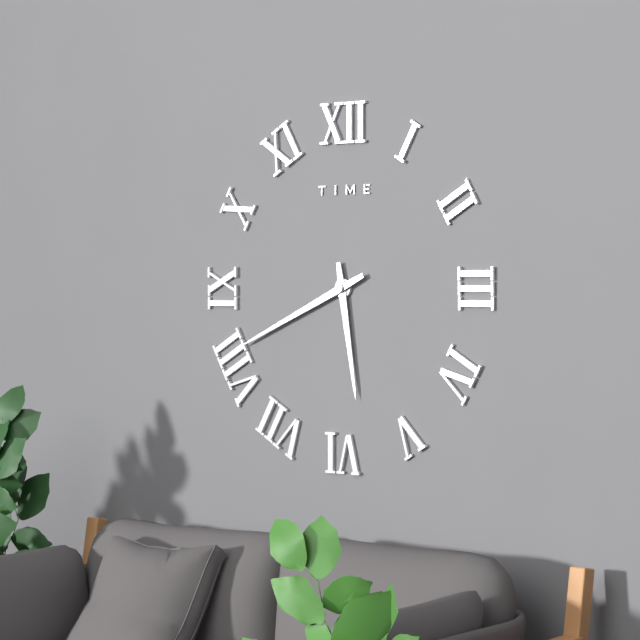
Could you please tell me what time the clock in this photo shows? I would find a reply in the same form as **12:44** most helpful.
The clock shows **5:41**
